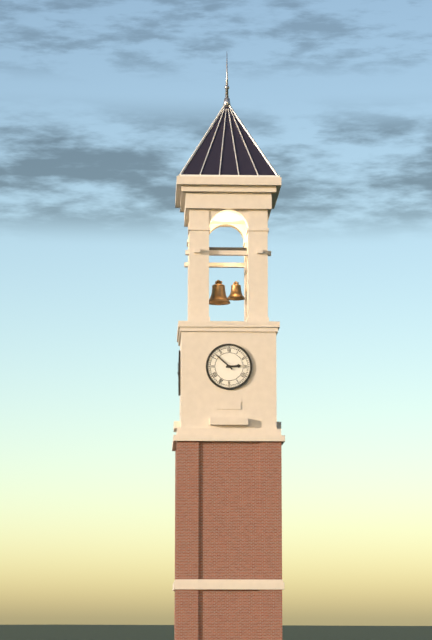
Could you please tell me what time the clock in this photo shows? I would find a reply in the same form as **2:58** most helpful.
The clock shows **2:52**
